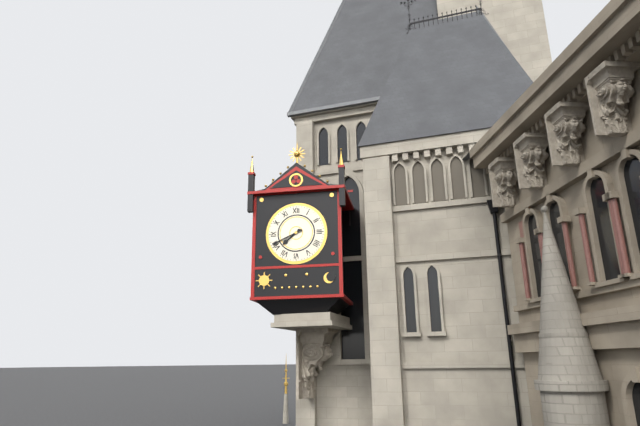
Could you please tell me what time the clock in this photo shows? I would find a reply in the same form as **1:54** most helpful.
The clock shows **7:41**
